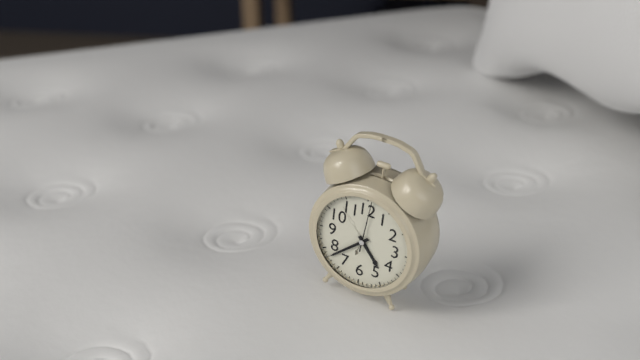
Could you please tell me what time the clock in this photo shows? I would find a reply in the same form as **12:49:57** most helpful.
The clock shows **4:38:01**
